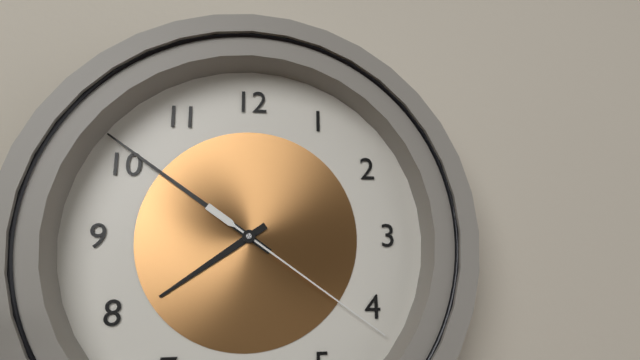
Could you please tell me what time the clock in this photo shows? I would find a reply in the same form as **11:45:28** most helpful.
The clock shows **7:51:21**
